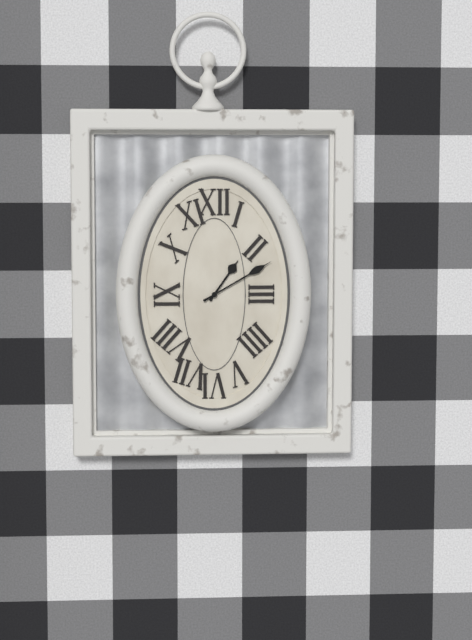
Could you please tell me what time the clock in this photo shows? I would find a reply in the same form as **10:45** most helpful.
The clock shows **1:10**
